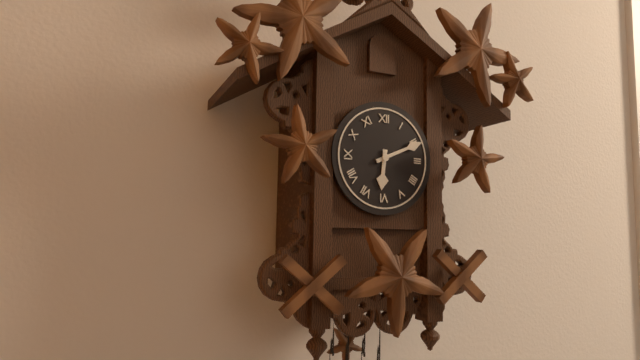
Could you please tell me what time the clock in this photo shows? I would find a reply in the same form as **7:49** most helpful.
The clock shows **6:11**
